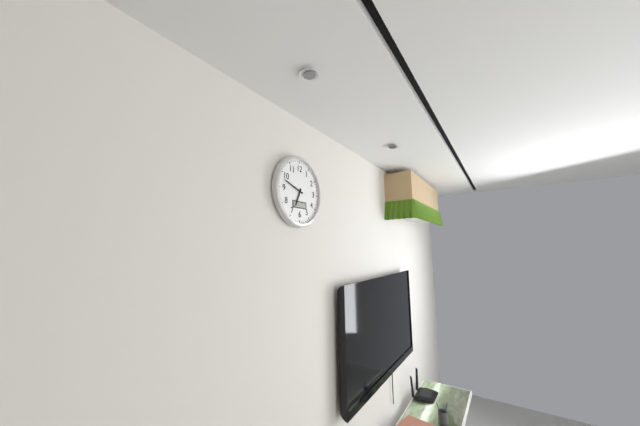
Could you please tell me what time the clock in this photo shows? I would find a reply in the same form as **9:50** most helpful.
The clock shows **6:48**
